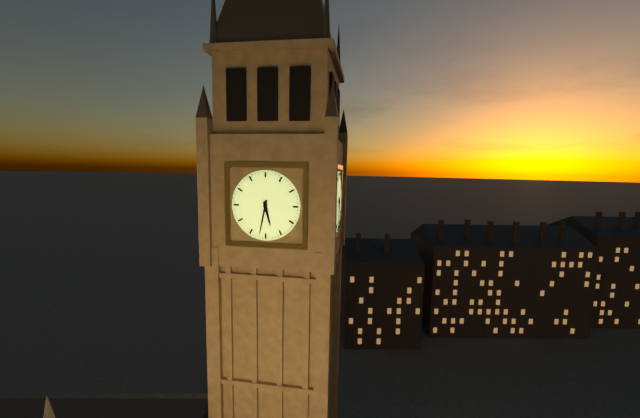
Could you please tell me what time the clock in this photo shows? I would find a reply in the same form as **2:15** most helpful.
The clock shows **5:32**
